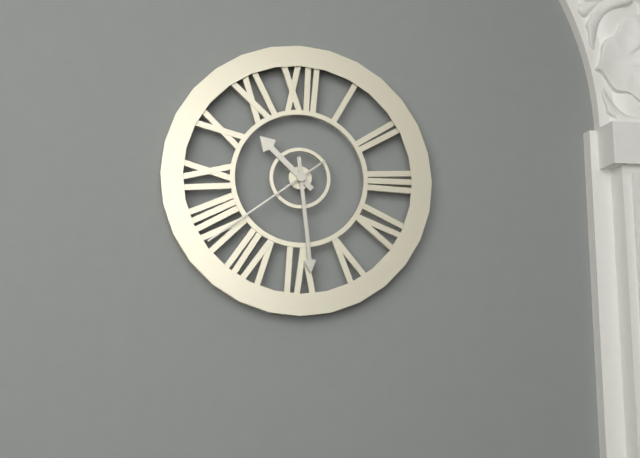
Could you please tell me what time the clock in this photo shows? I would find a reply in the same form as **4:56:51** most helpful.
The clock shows **10:29:39**
